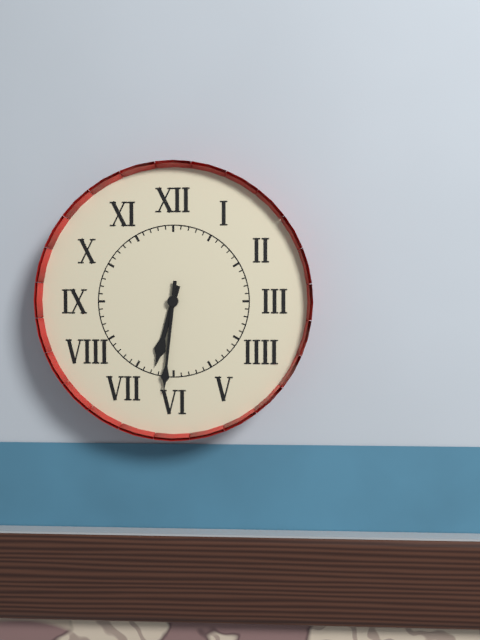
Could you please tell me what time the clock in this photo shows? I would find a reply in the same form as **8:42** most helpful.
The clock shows **6:31**
